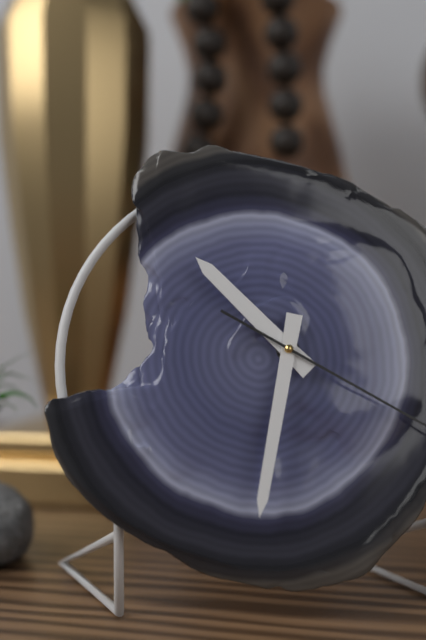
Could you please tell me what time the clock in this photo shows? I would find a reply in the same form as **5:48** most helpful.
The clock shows **10:32**
